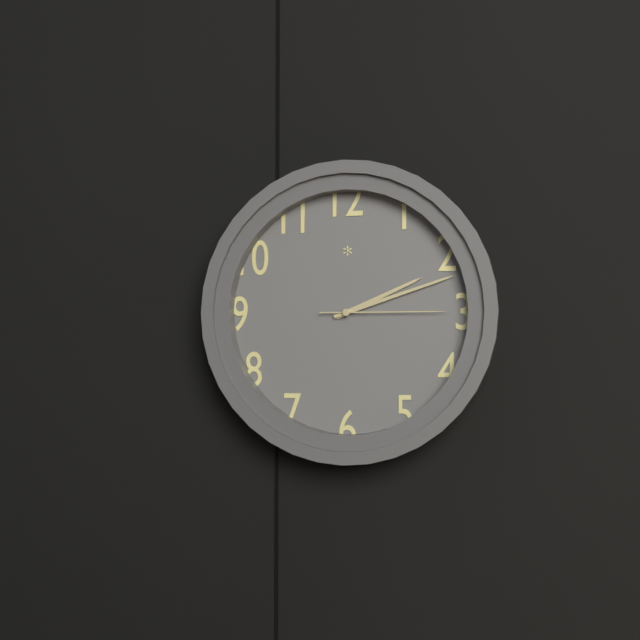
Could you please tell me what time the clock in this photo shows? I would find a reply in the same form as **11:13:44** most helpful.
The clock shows **2:12:15**
